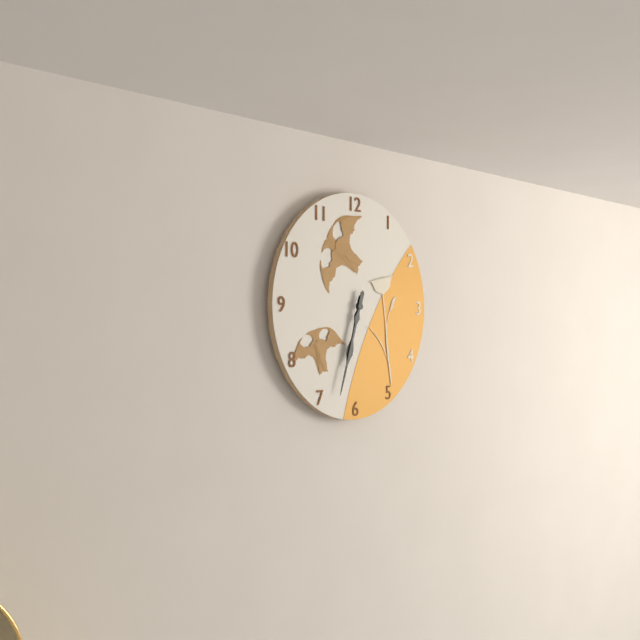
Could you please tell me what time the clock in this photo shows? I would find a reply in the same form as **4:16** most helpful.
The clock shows **6:33**
